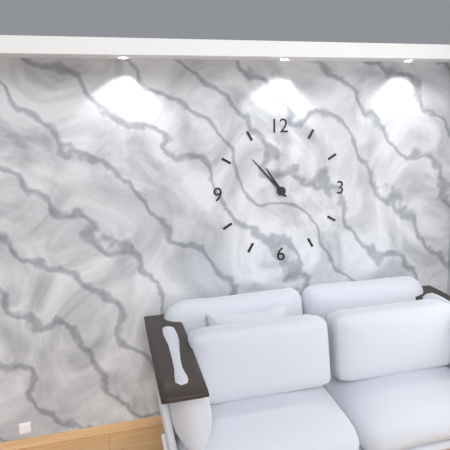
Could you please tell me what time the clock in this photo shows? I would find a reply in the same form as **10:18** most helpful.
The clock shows **10:53**
